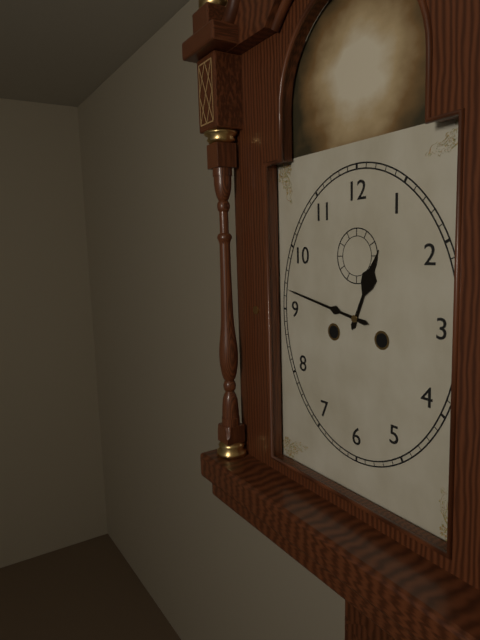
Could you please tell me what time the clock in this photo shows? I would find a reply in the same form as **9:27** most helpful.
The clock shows **12:47**
